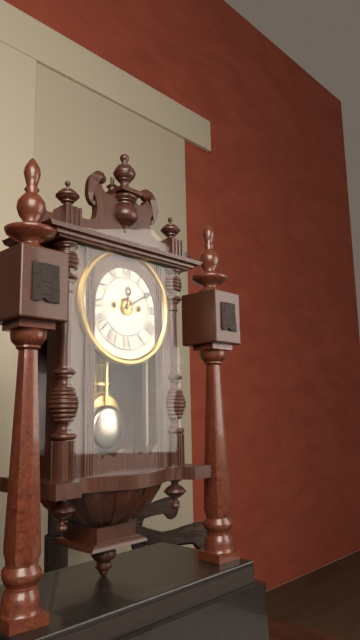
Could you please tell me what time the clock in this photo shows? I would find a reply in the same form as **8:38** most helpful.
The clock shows **12:10**
